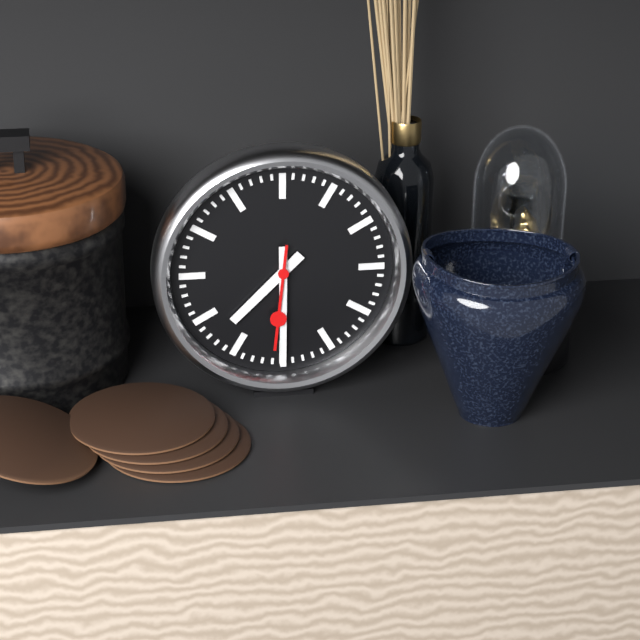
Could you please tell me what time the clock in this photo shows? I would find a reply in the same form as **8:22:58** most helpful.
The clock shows **7:30:31**
